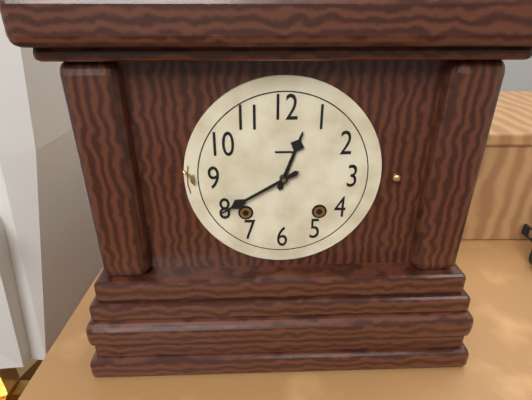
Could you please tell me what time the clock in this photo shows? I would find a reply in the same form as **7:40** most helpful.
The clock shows **12:40**
